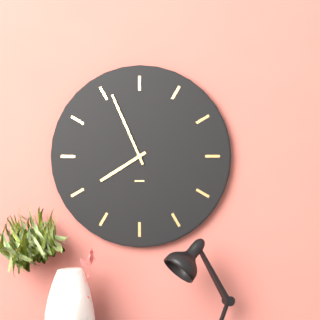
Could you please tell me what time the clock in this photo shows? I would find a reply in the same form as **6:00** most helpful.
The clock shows **7:56**
